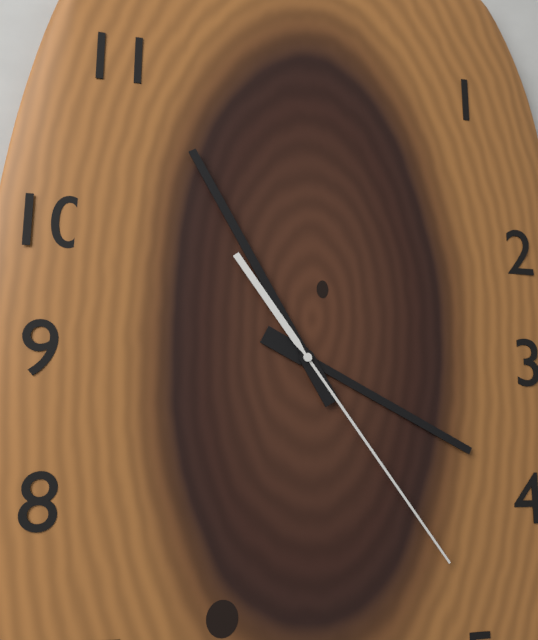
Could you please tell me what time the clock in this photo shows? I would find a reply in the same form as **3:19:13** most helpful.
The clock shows **3:55:24**
